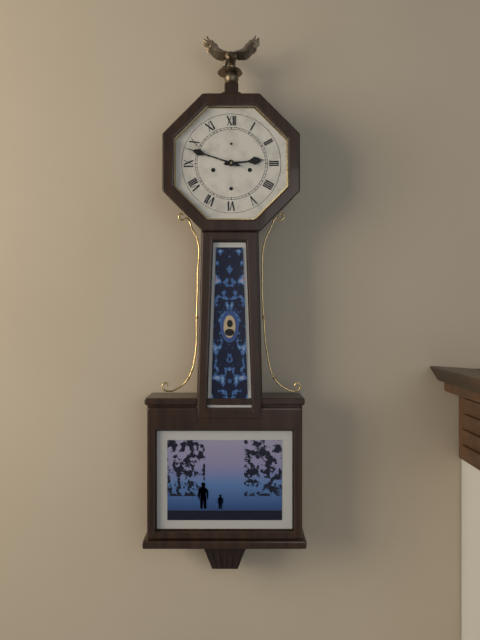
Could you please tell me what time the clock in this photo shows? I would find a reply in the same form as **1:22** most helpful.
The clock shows **2:48**
